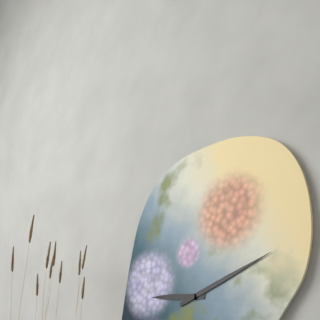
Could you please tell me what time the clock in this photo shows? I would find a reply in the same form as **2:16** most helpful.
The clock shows **9:12**
